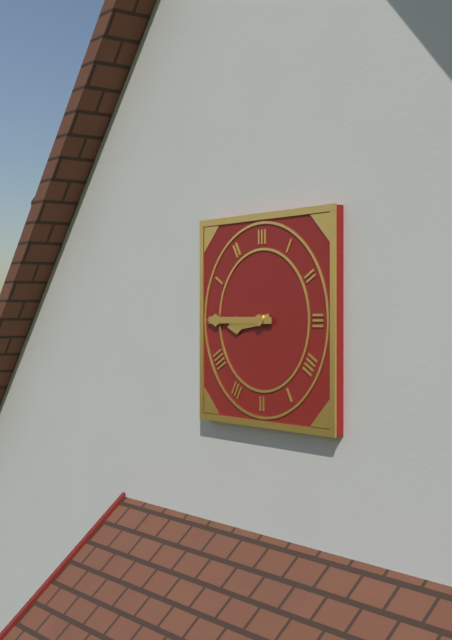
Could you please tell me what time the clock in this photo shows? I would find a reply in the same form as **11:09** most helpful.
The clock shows **8:45**
